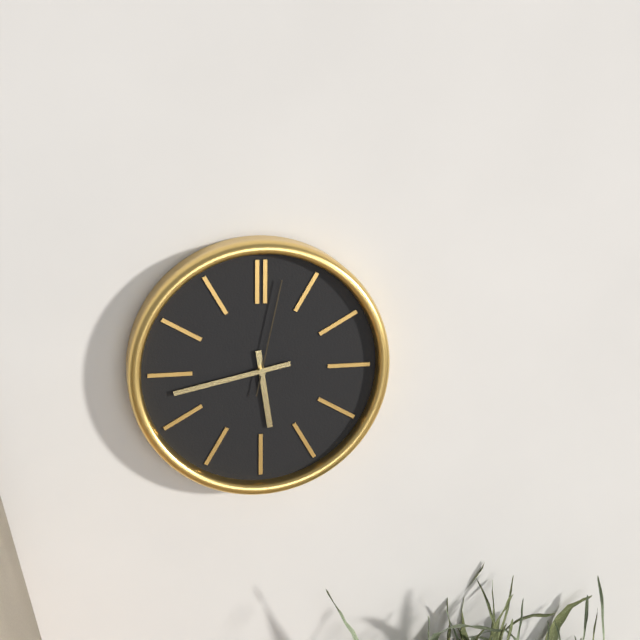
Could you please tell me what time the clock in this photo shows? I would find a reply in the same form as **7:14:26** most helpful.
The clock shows **5:43:02**
